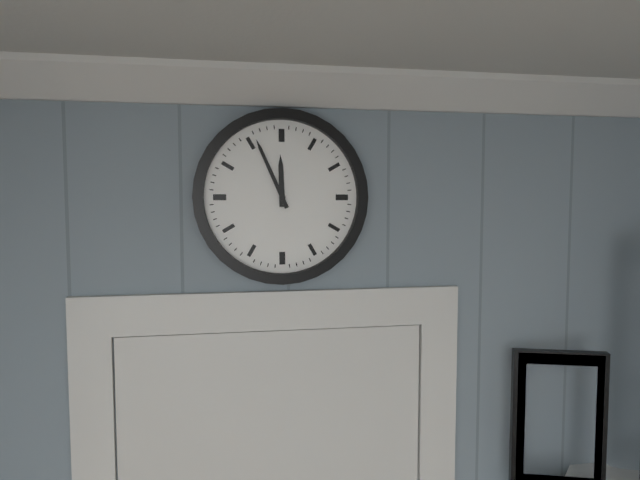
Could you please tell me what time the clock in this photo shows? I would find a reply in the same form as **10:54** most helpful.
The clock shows **11:56**
